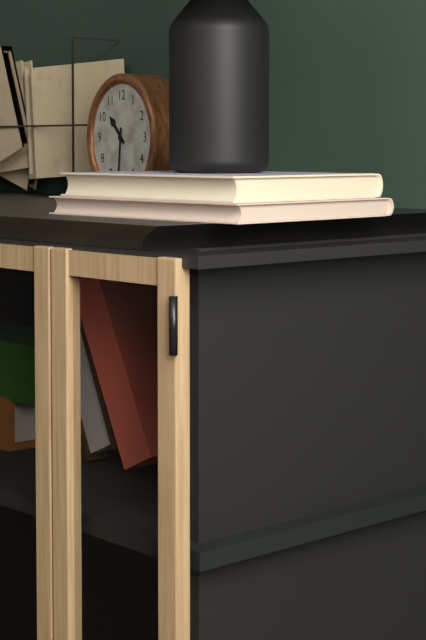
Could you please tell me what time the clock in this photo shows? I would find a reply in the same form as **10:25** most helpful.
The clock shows **10:31**
